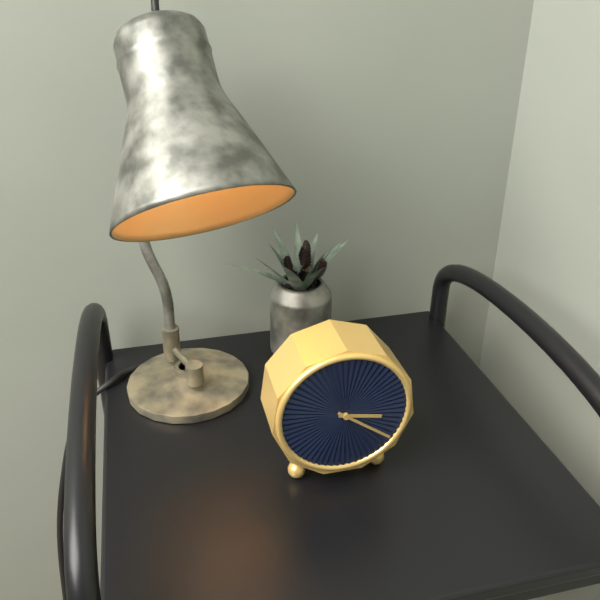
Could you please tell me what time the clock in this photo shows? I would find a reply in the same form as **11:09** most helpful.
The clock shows **3:21**
